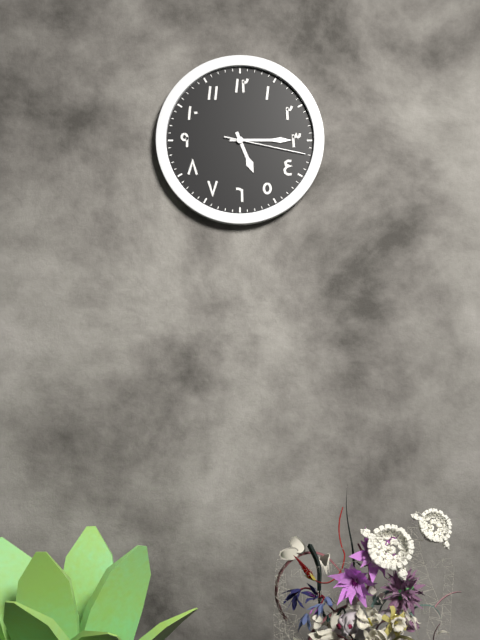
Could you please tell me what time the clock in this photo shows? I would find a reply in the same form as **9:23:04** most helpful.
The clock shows **5:15:17**
